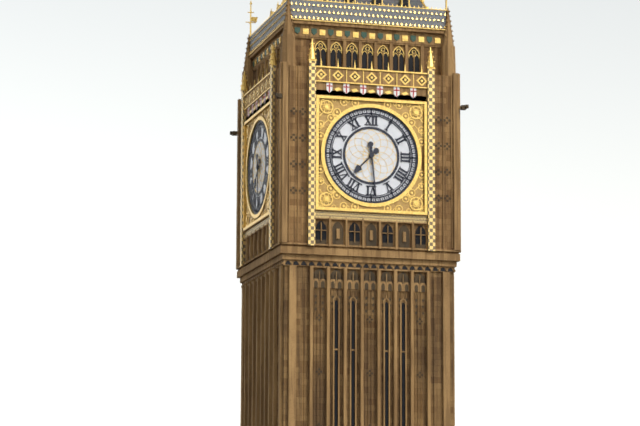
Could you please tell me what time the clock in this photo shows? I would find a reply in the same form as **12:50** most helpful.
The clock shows **7:29**
